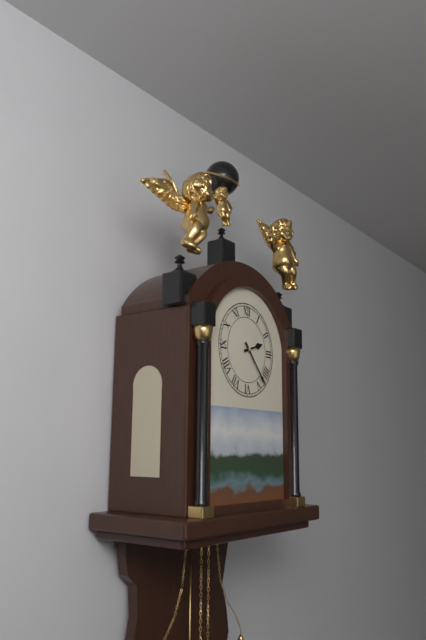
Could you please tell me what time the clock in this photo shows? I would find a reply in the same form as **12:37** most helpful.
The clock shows **2:23**
